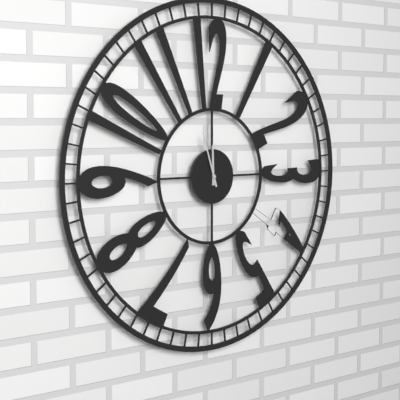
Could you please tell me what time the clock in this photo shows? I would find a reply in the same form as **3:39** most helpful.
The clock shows **11:57**
